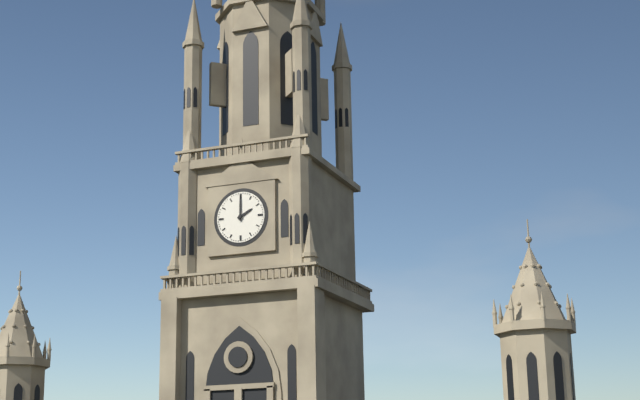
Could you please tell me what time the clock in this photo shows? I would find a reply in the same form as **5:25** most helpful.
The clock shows **2:00**
